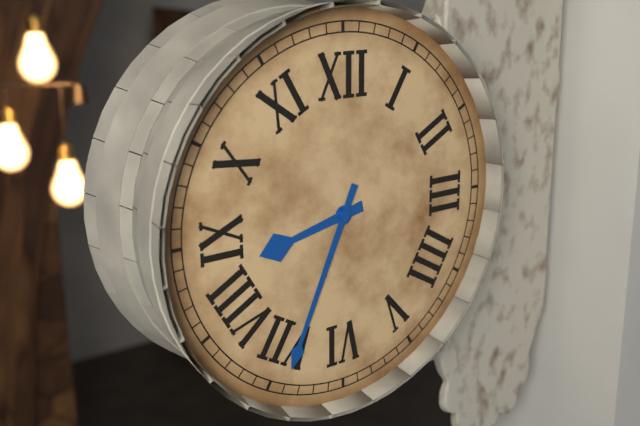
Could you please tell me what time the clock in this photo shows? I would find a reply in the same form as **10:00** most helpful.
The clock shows **8:34**
